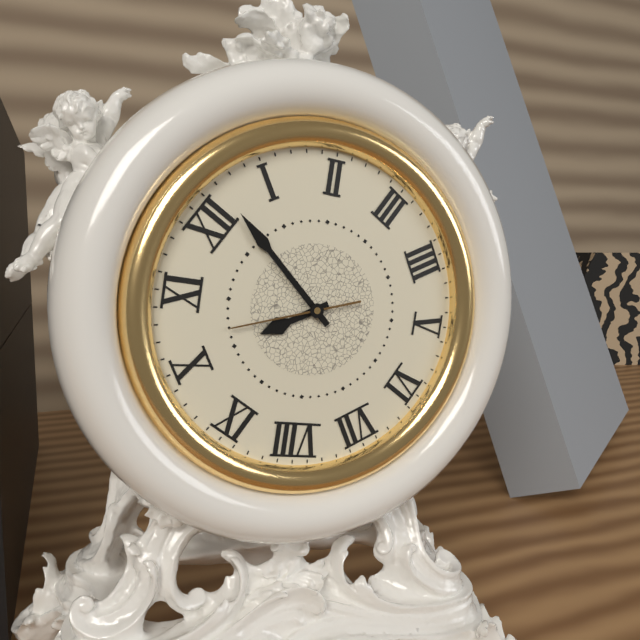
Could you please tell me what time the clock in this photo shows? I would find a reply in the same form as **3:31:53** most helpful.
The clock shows **10:02:52**
